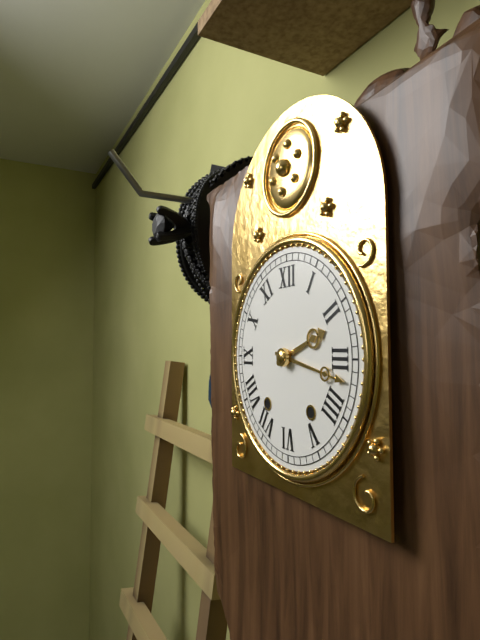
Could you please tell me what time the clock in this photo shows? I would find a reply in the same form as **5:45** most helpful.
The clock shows **2:17**
